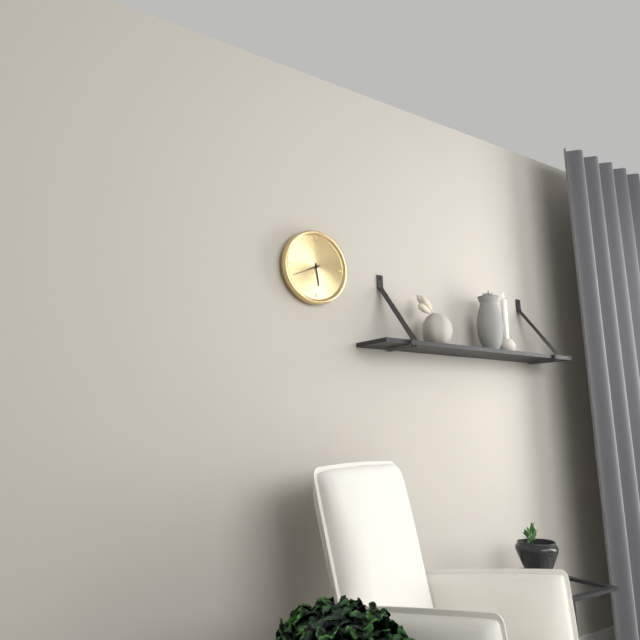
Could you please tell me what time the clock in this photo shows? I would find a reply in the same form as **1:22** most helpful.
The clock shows **5:41**
